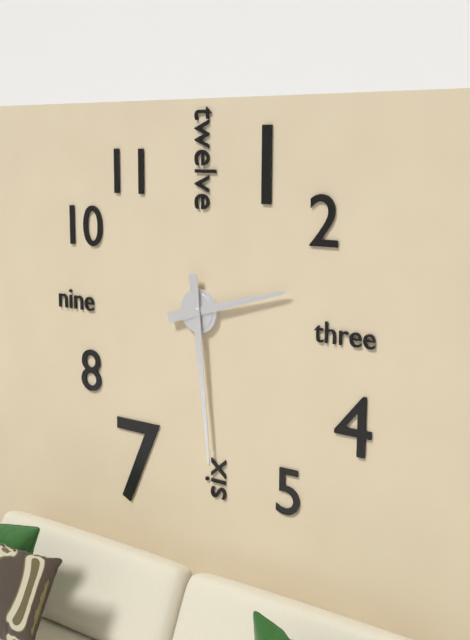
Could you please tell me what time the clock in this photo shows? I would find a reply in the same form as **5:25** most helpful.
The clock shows **2:29**
